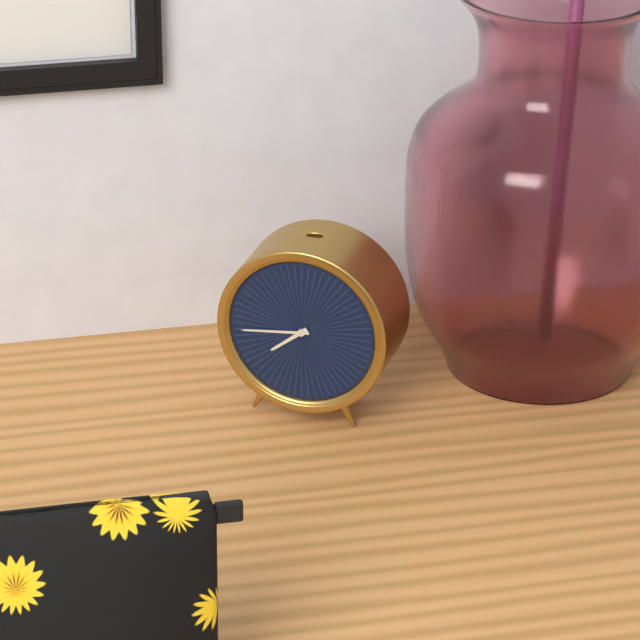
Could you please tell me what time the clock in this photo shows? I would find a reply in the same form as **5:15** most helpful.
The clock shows **7:44**
